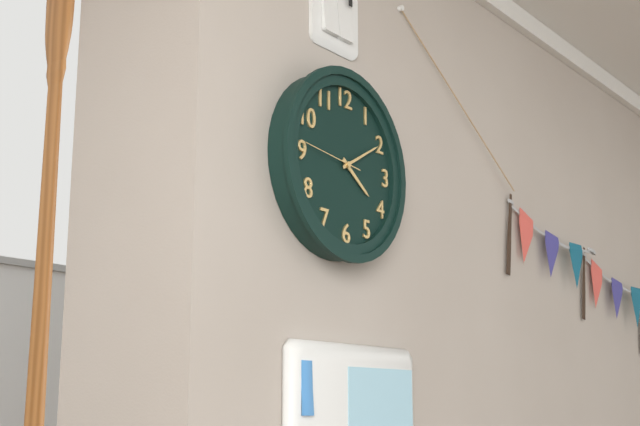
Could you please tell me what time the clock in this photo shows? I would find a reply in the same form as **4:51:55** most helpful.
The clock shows **4:10:46**
